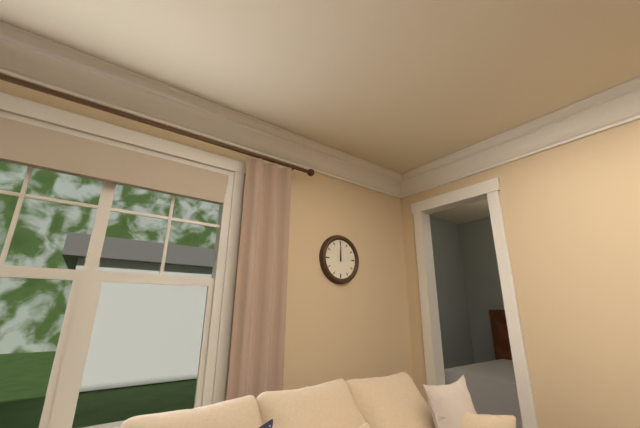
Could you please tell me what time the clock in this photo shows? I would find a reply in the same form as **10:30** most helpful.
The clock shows **12:00**
